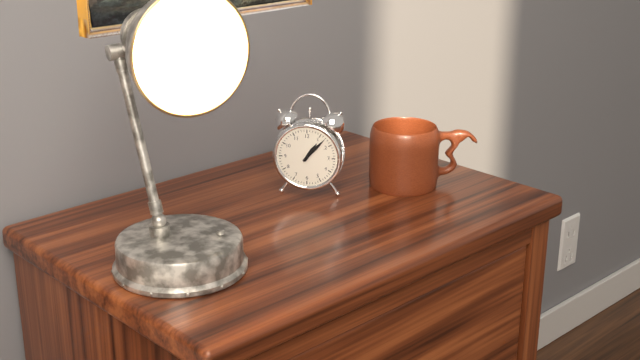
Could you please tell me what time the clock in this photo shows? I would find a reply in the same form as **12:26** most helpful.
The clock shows **1:07**
